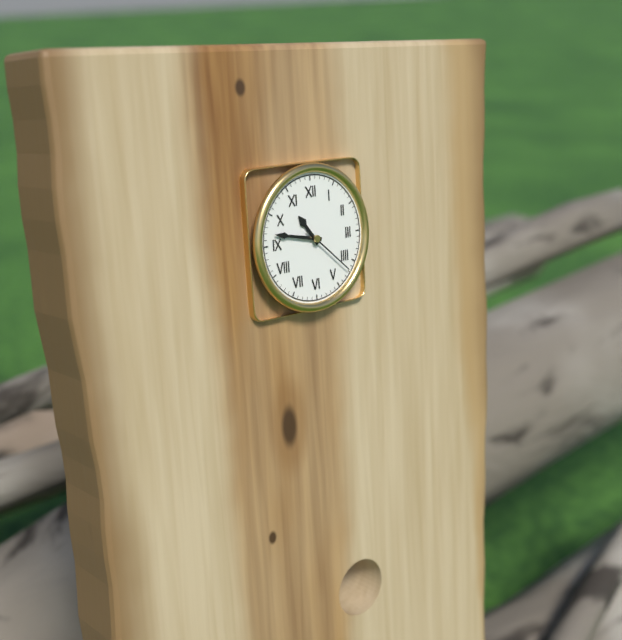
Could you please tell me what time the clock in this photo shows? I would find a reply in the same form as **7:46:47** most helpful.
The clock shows **10:47:22**
